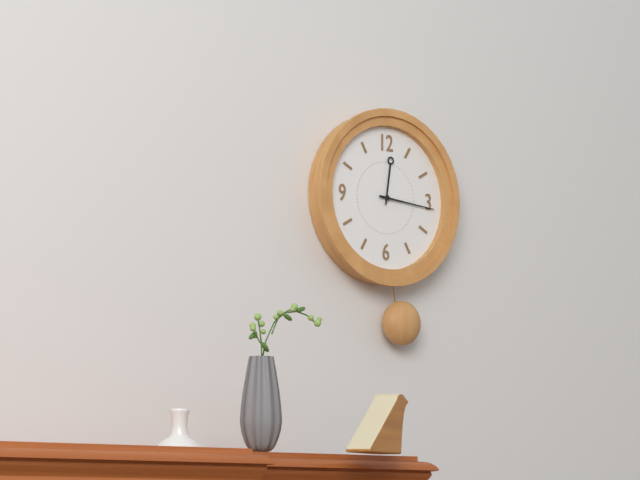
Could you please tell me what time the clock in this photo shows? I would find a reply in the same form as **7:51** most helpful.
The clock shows **12:16**
